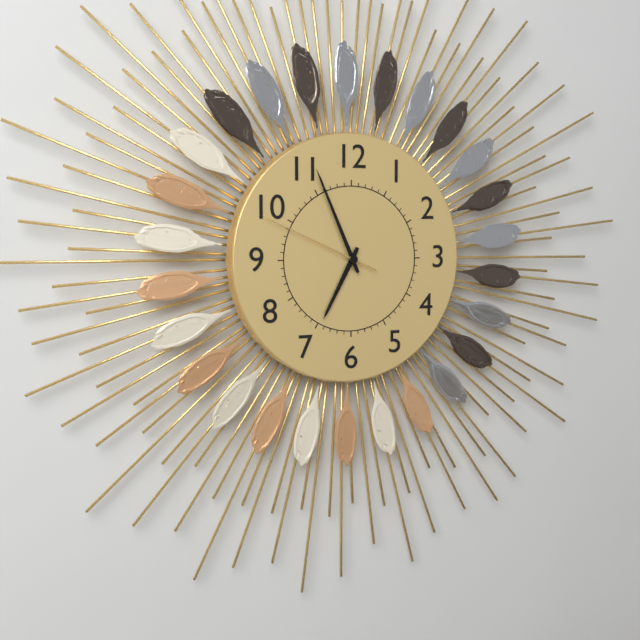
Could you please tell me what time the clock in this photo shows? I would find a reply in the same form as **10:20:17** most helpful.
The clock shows **6:56:49**
